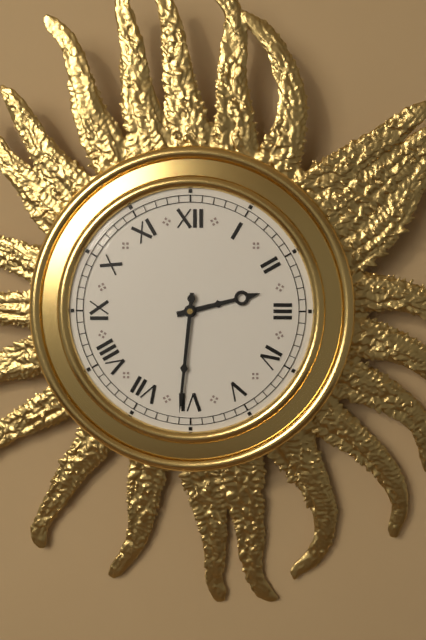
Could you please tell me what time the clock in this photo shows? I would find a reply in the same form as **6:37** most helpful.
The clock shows **2:31**
